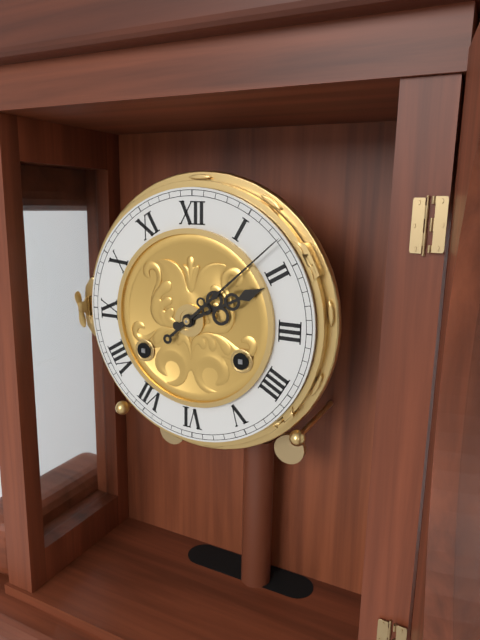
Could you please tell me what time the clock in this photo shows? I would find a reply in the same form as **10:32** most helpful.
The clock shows **2:08**
